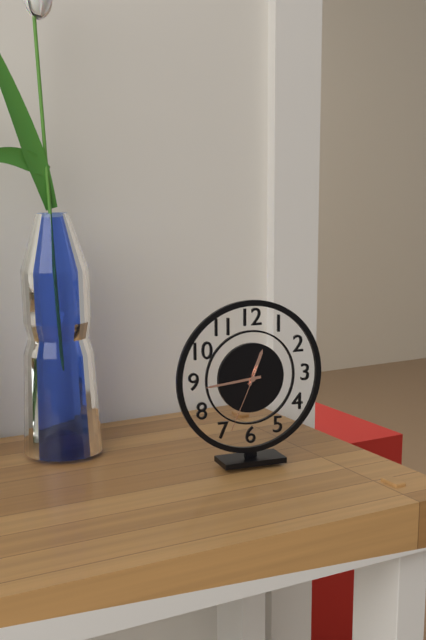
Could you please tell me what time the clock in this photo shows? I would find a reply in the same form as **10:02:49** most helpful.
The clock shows **12:44:34**
